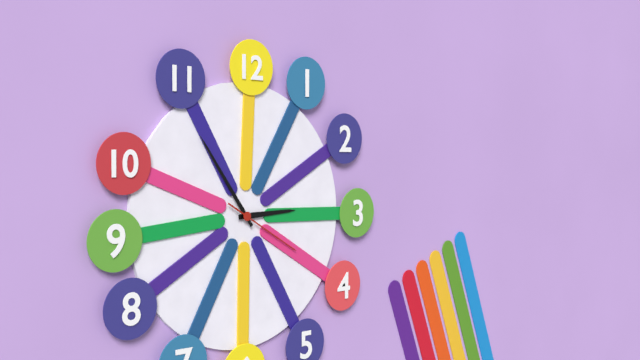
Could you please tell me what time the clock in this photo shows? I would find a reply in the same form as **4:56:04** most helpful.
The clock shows **2:54:20**
